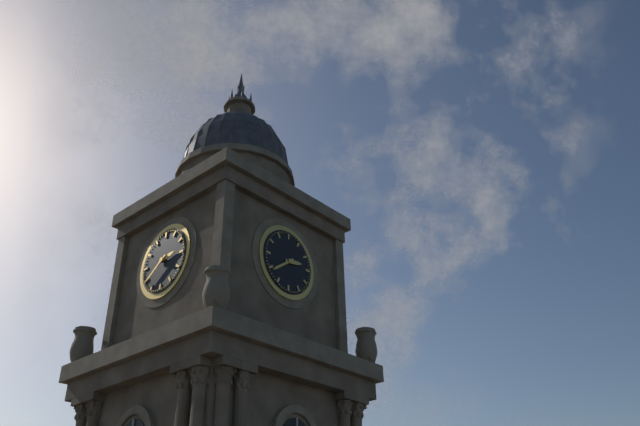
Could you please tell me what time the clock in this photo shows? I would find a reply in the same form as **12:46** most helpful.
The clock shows **2:39**
